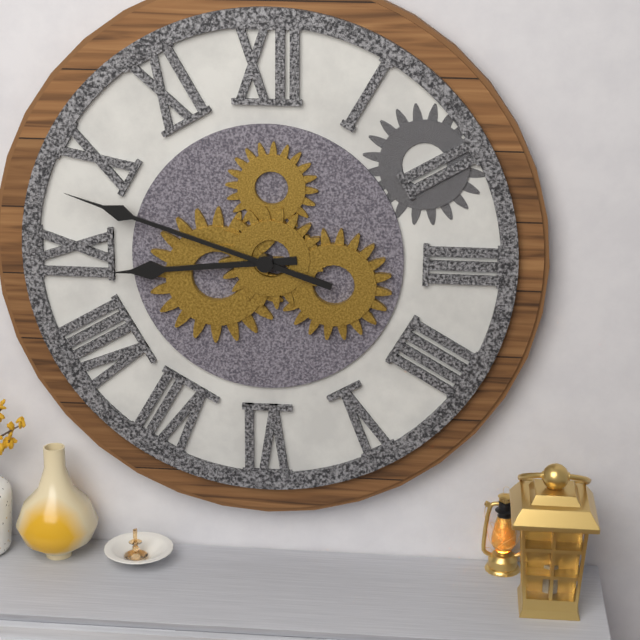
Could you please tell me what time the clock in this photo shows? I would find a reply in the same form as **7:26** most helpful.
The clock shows **8:48**
